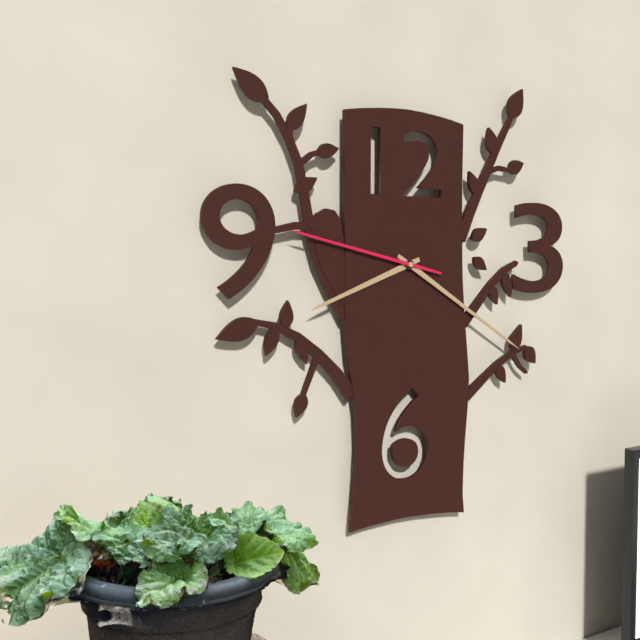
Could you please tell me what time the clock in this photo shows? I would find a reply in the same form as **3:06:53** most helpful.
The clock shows **8:20:47**
